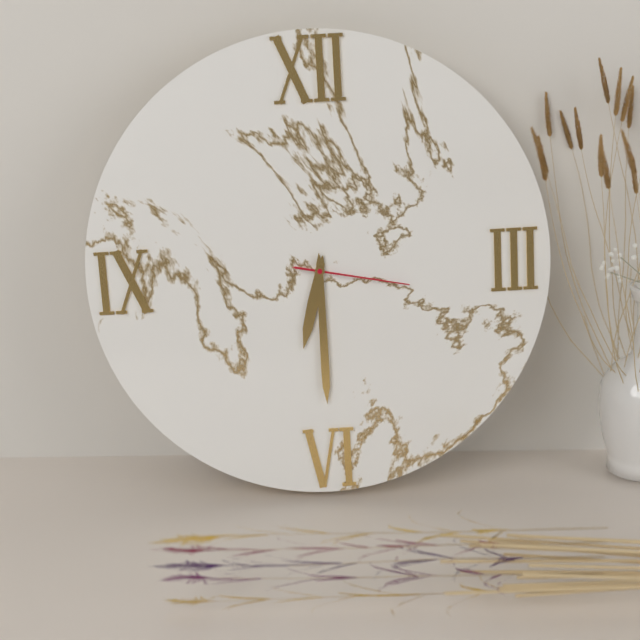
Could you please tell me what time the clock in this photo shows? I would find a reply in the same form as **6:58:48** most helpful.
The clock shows **6:30:17**
